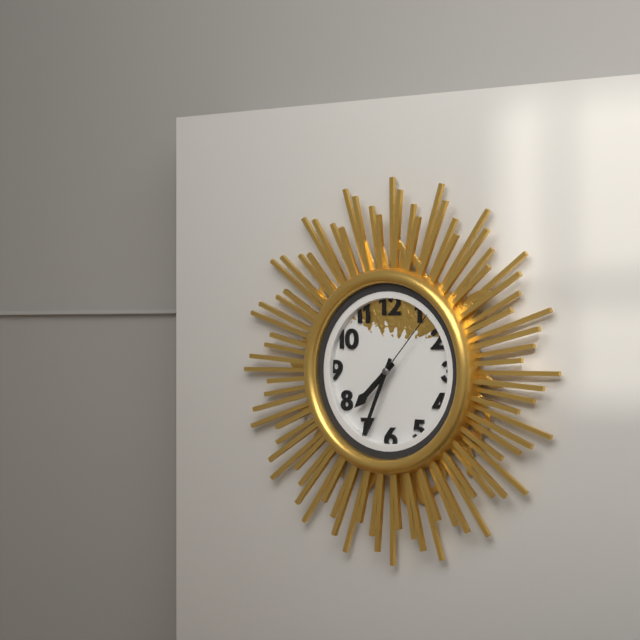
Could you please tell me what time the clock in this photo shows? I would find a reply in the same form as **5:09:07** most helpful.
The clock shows **7:34:07**
